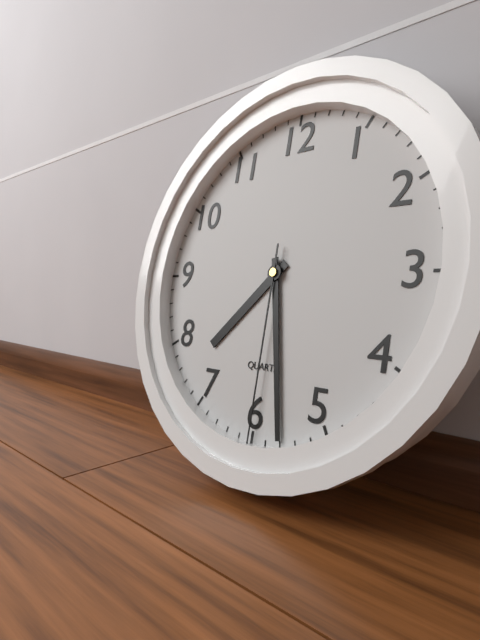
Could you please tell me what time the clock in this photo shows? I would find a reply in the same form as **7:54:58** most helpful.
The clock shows **7:28:30**
